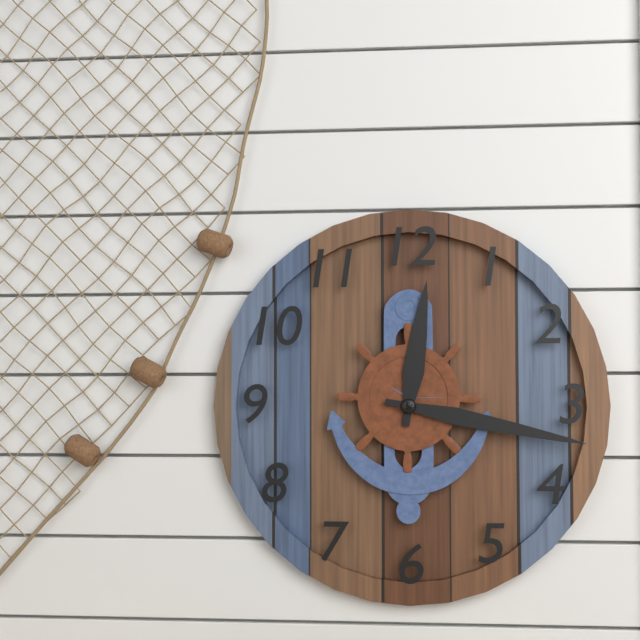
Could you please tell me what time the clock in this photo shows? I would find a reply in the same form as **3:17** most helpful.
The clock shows **12:17**
